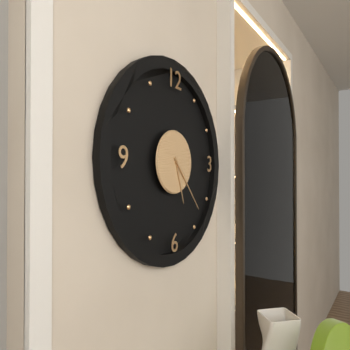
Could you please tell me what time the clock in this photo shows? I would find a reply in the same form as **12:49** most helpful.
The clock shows **5:23**
